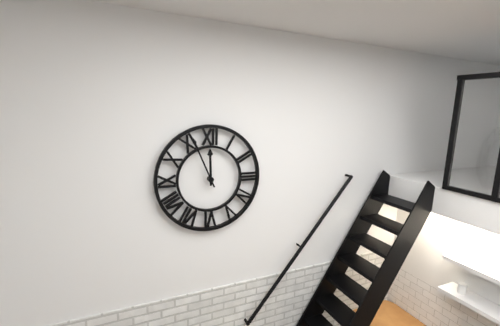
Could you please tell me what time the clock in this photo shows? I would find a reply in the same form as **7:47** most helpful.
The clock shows **11:56**
